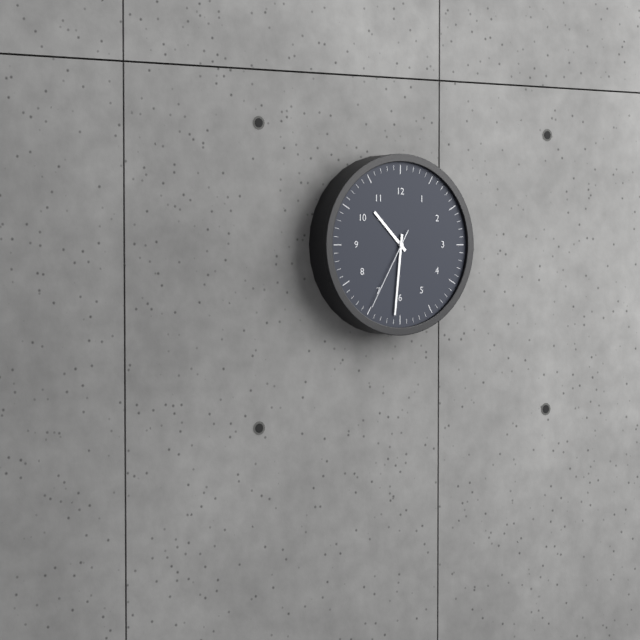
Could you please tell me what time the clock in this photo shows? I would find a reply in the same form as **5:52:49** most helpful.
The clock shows **10:31:35**
